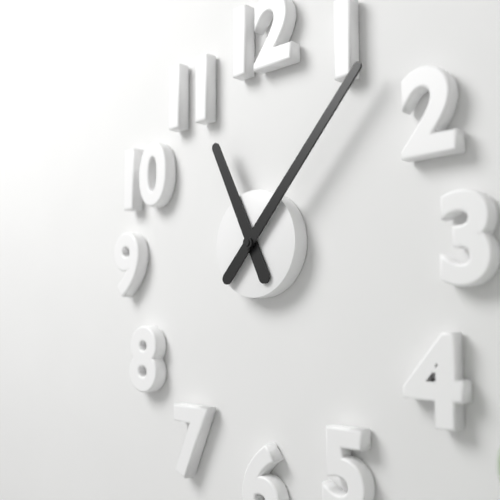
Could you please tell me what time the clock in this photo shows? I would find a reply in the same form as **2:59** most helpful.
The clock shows **11:07**
